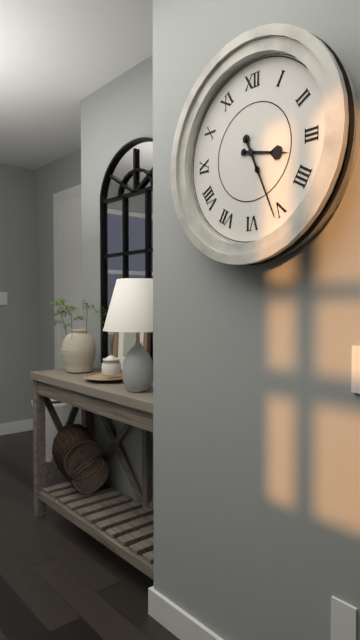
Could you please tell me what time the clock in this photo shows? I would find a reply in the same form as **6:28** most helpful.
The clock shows **3:26**
